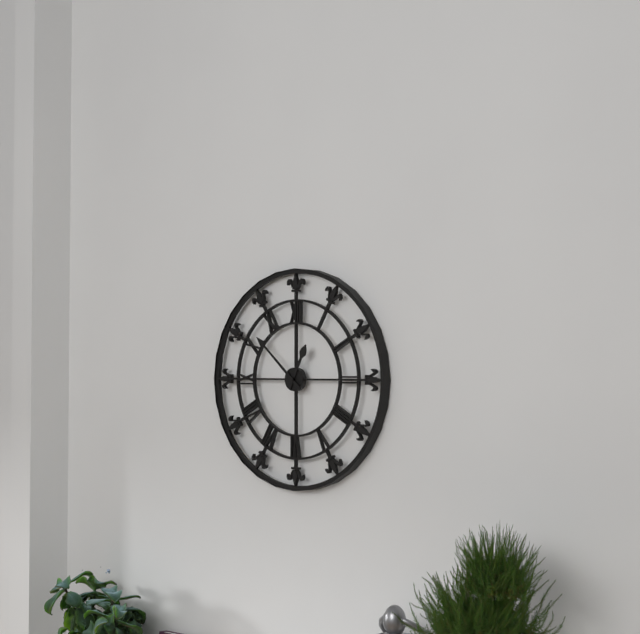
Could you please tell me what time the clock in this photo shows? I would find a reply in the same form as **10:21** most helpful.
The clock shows **12:52**
